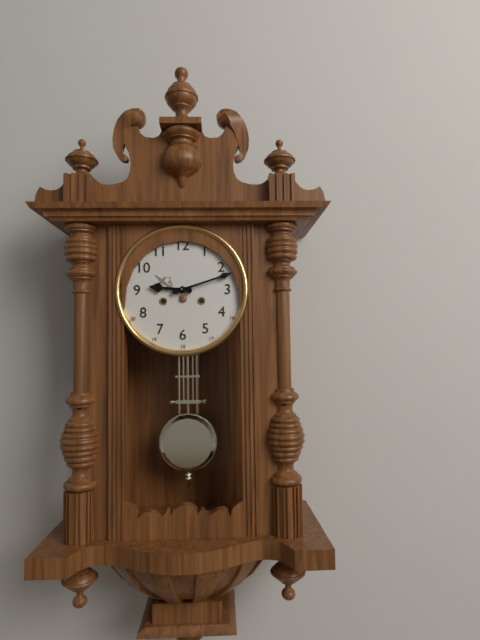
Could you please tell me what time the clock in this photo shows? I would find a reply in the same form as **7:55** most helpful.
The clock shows **9:12**
